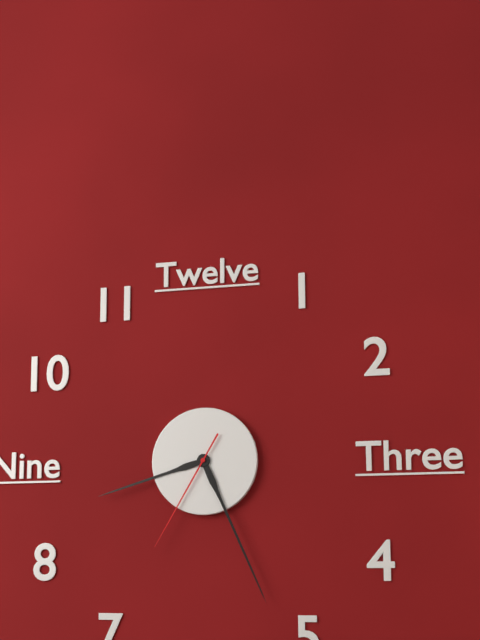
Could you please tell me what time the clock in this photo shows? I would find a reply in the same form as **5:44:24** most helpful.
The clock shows **8:26:35**
